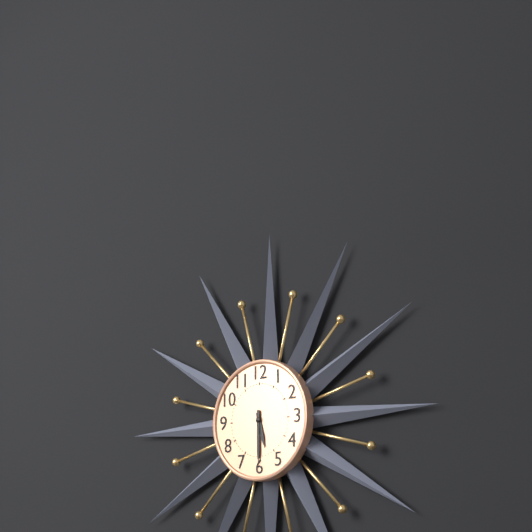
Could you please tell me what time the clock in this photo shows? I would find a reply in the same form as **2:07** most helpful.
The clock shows **5:30**
